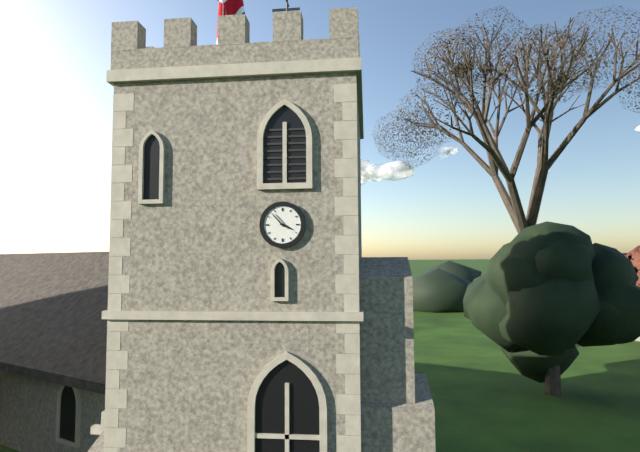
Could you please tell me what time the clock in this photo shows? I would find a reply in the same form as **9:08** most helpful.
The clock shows **3:53**
